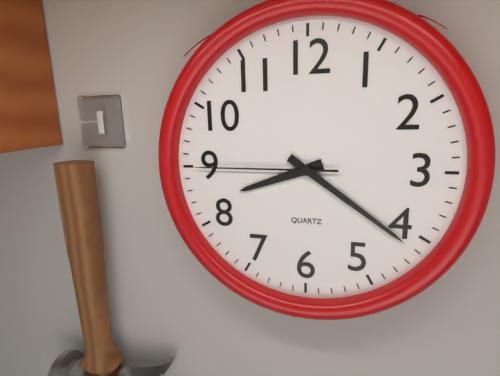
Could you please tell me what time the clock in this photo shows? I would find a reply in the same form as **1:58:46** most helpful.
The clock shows **8:21:45**
